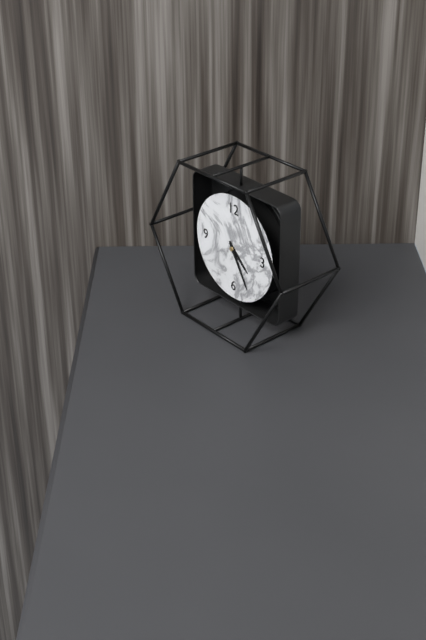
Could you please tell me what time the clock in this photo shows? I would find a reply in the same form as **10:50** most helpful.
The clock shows **4:25**
